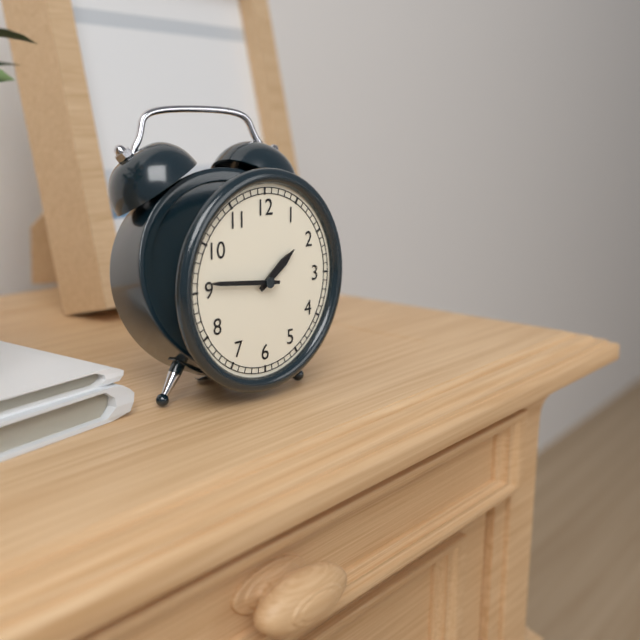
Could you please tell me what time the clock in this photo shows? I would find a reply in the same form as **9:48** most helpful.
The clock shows **1:46**
